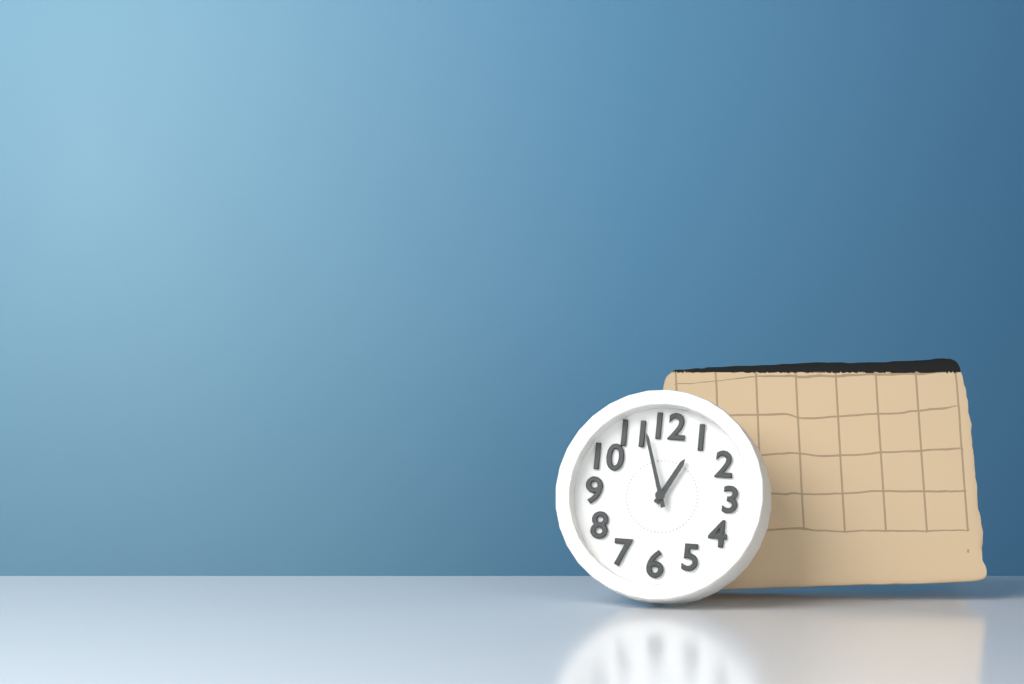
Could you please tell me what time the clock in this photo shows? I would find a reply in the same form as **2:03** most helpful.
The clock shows **12:57**
